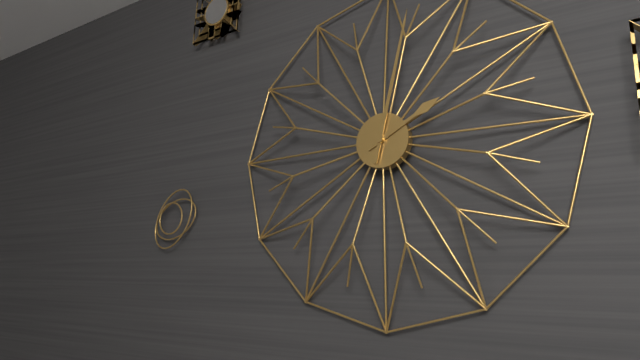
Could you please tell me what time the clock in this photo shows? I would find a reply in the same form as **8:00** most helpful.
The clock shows **2:02**
